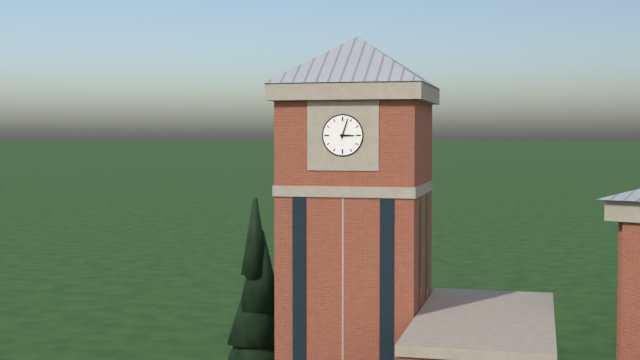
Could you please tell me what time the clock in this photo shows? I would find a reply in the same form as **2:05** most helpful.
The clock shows **3:03**
